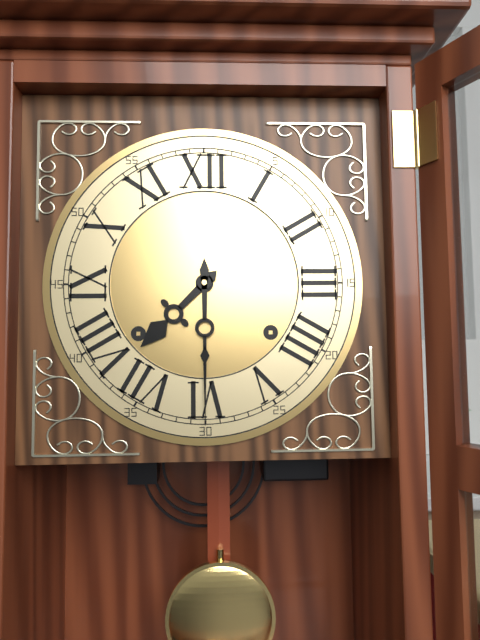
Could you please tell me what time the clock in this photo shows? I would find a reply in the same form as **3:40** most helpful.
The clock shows **7:30**
